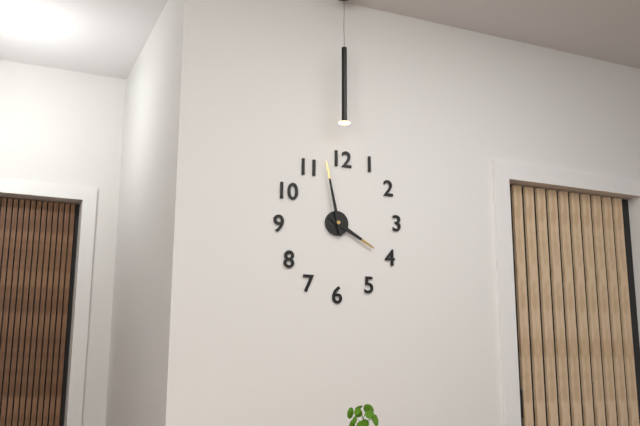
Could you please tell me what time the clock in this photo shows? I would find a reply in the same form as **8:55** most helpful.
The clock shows **3:58**
